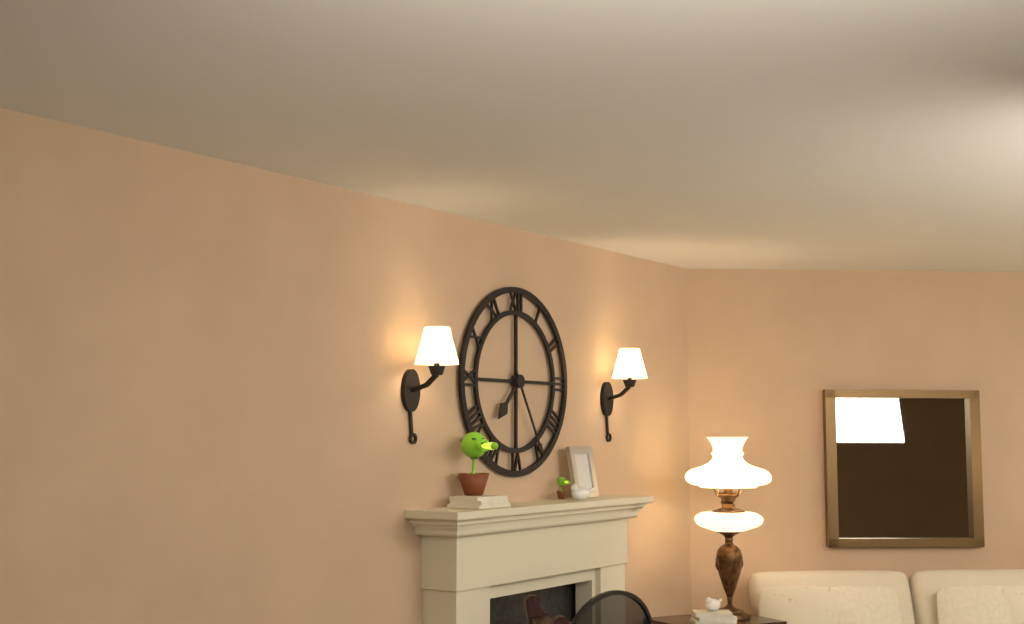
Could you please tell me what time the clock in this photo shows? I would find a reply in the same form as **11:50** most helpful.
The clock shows **7:25**
